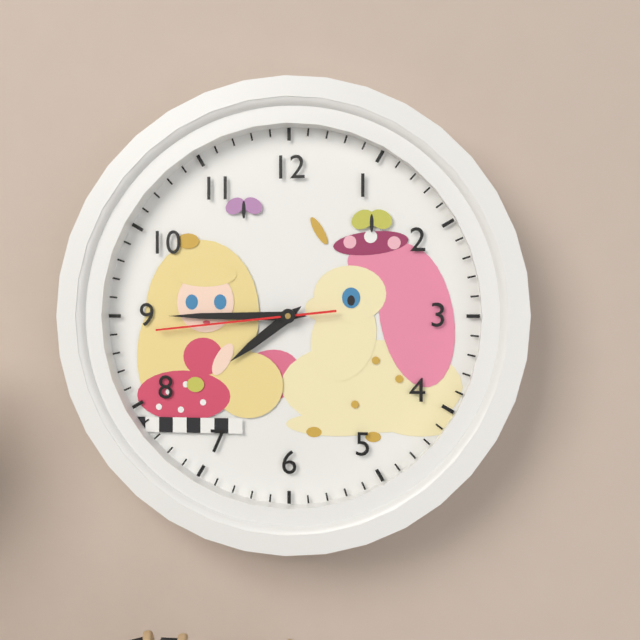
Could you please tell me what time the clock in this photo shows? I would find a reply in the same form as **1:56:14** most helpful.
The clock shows **7:45:44**
